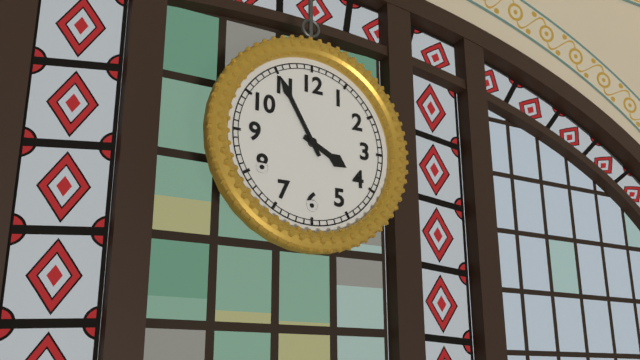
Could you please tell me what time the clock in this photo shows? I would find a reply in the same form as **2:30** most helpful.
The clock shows **3:55**
